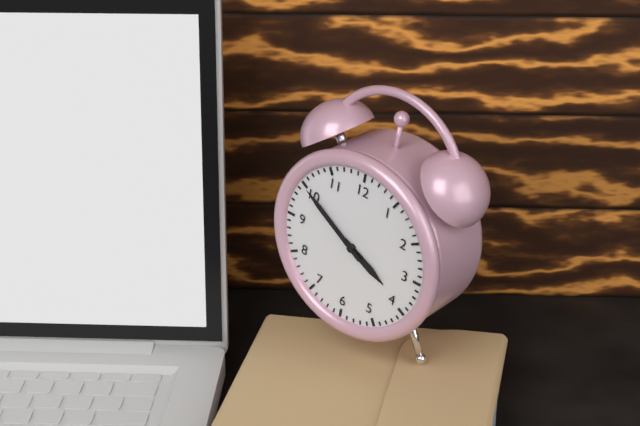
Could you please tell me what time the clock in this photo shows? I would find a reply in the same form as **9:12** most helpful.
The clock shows **3:50**
